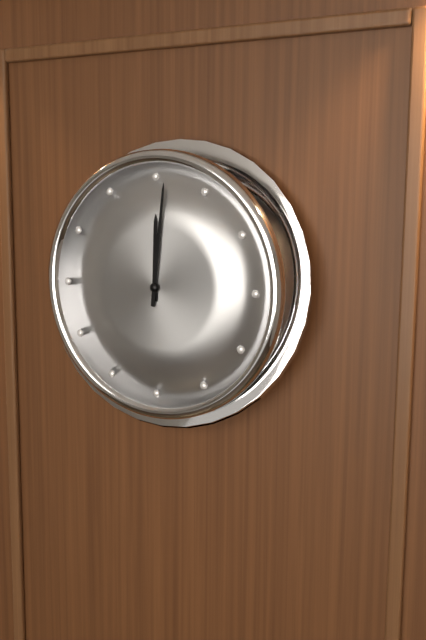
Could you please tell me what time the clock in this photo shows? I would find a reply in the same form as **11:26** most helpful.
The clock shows **12:01**
